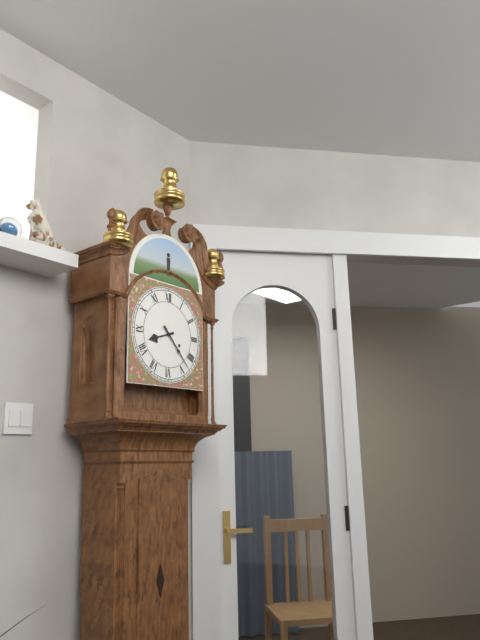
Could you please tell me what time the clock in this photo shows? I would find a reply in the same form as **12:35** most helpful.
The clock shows **8:23**
